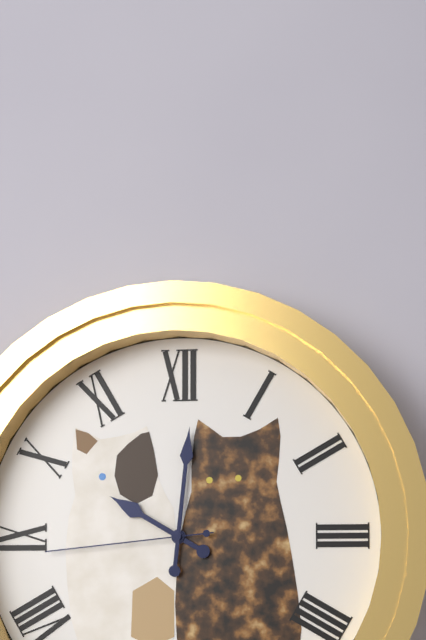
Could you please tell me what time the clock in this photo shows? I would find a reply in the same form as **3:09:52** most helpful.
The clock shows **10:01:44**
